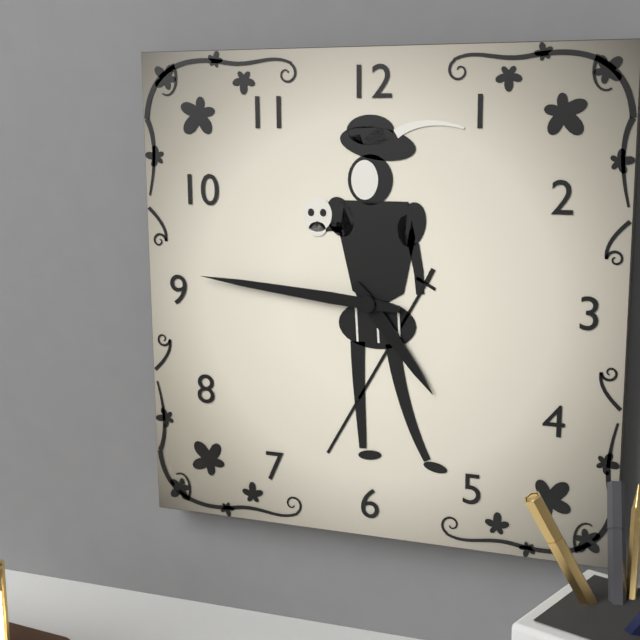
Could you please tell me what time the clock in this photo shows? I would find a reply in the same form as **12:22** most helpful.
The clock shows **4:46**
